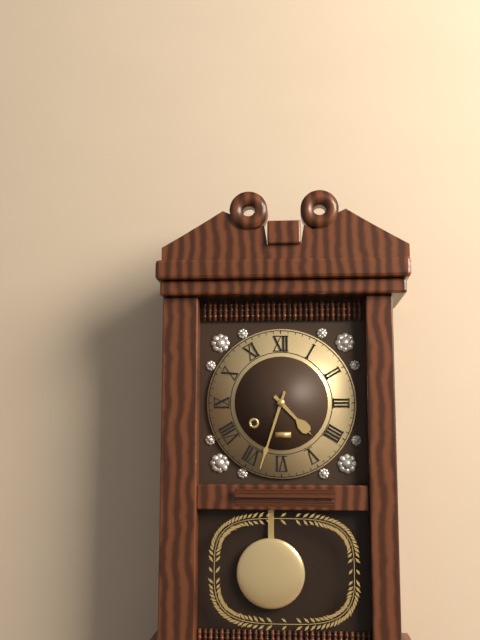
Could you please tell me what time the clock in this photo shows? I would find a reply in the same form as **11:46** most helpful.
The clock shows **4:33**
